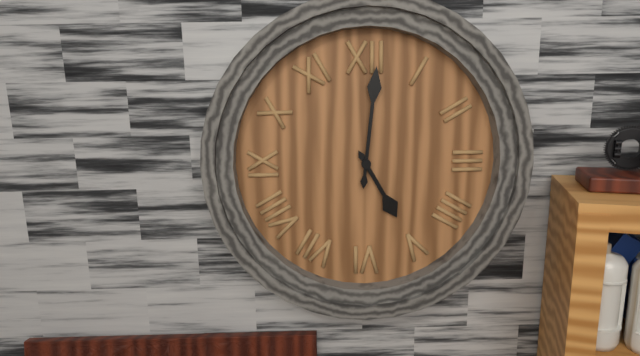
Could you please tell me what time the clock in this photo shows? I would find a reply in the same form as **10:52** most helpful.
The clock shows **5:01**
